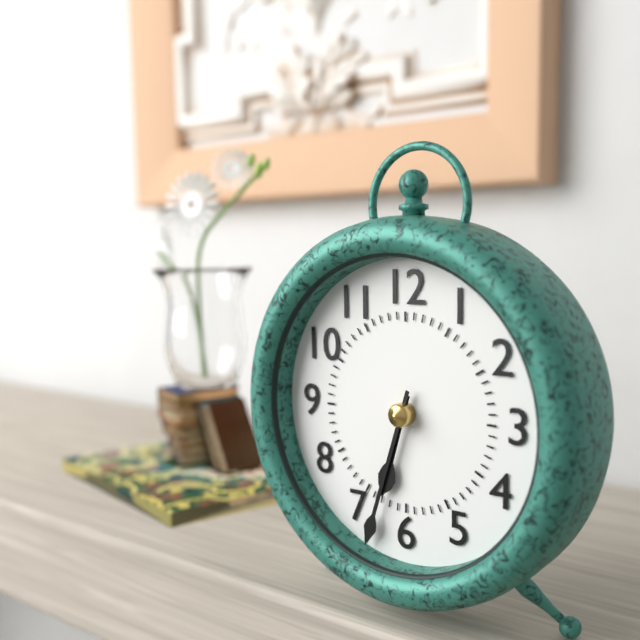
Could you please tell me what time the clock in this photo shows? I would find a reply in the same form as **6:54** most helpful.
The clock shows **6:33**
